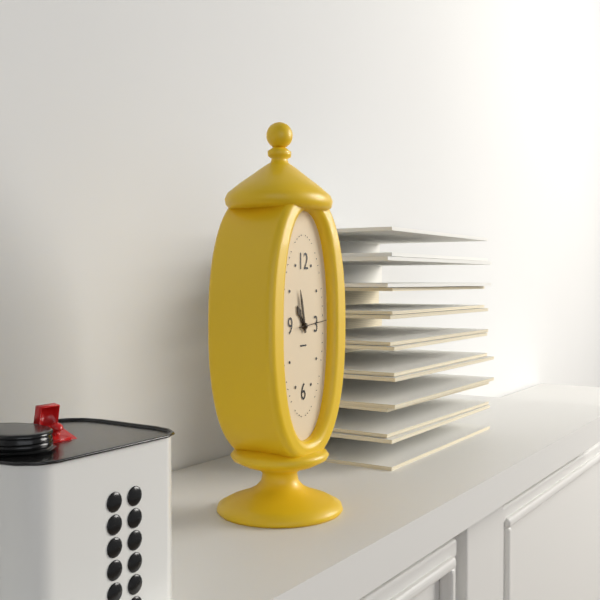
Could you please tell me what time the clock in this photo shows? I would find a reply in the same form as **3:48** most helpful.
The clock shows **10:58**
